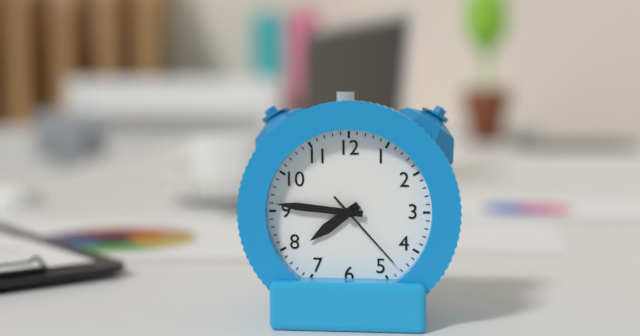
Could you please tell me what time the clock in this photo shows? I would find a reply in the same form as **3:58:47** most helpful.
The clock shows **7:46:23**
